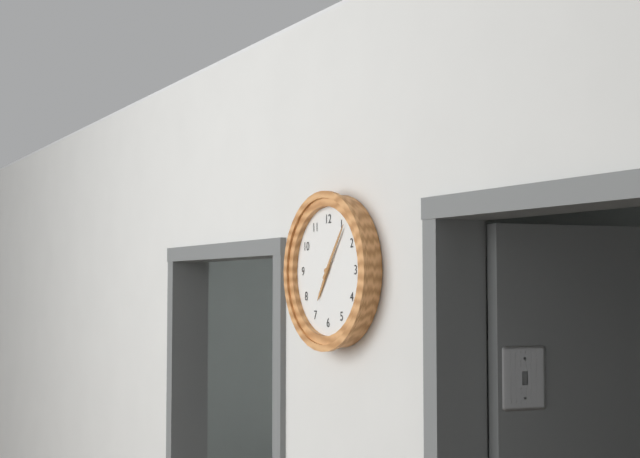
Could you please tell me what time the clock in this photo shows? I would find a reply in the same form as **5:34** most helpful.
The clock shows **7:06**
